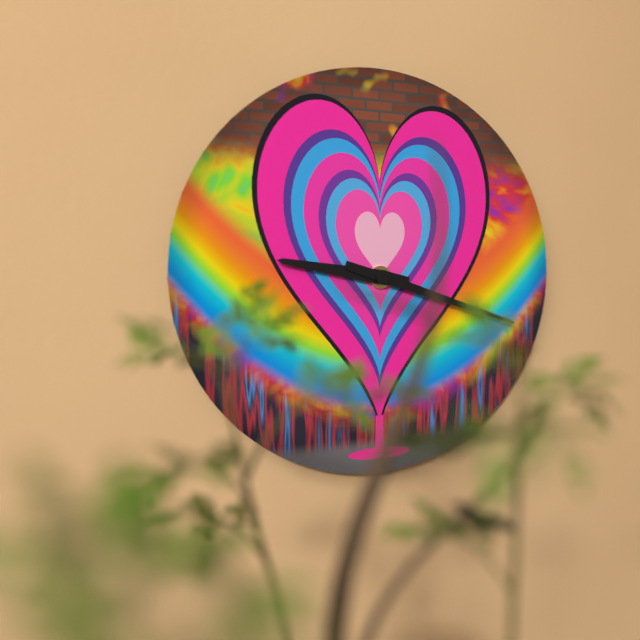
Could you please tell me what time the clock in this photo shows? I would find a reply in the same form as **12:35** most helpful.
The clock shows **9:18**
